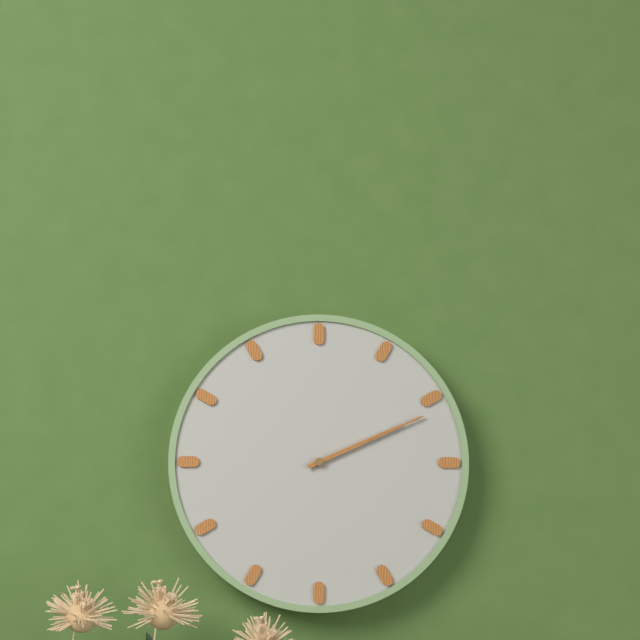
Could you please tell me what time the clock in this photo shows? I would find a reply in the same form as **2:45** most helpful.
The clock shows **2:11**
